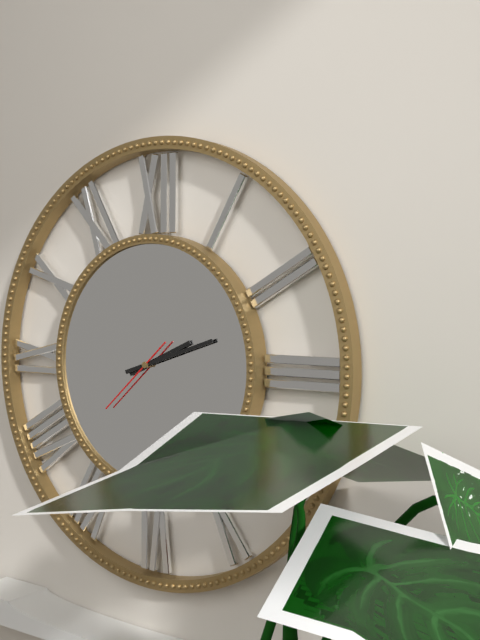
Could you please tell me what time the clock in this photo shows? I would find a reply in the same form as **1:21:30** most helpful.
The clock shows **2:12:38**
